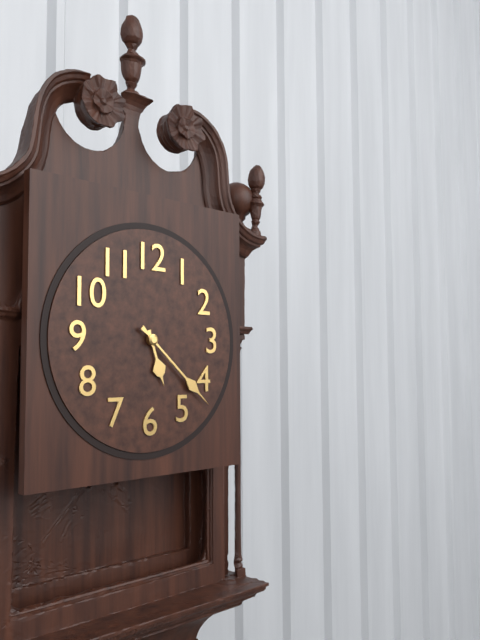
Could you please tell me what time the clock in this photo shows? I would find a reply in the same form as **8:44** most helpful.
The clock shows **5:22**
